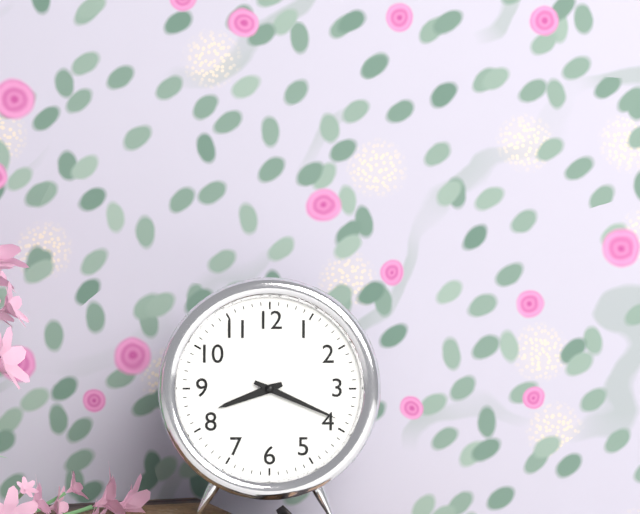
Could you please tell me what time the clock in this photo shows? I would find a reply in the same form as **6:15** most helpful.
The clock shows **8:19**
